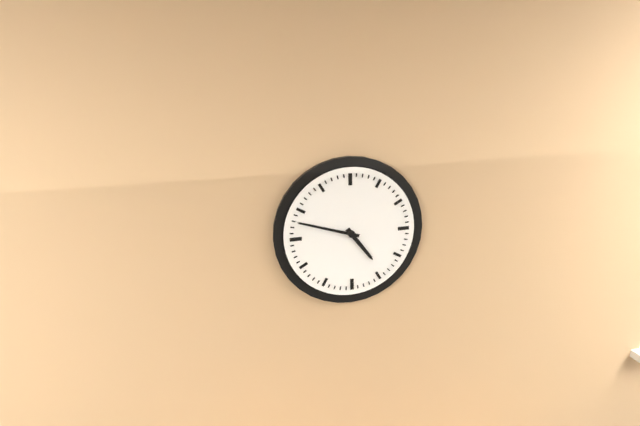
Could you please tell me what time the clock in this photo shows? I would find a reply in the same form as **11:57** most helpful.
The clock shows **4:48**
